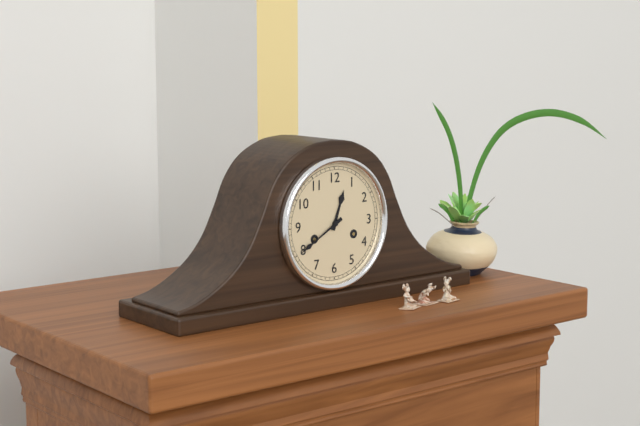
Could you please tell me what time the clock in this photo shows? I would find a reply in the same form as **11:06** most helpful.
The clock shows **12:40**
